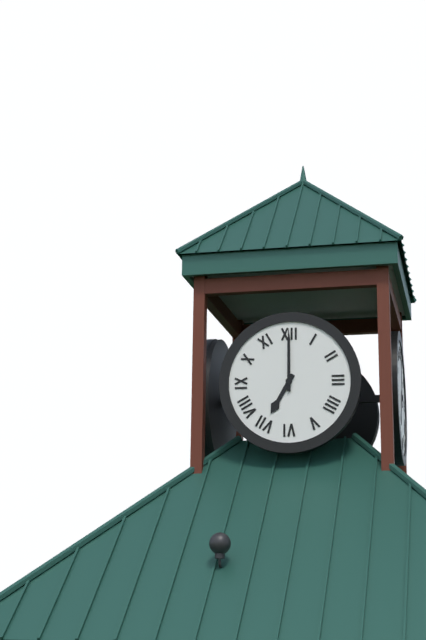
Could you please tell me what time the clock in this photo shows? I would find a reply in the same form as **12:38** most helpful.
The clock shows **7:00**
